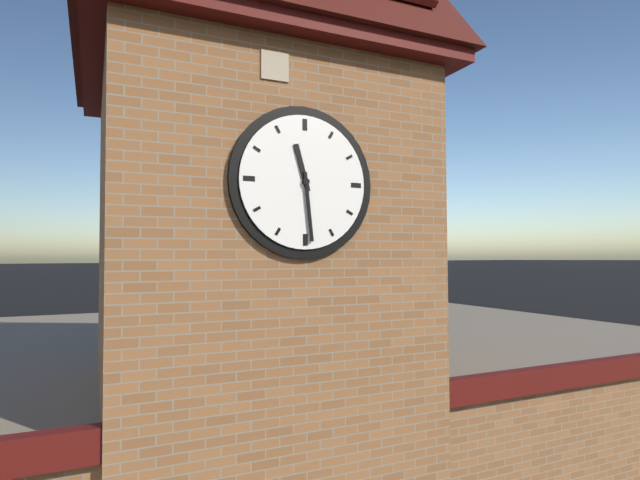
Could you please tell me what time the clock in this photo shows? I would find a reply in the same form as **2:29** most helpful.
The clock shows **11:29**
